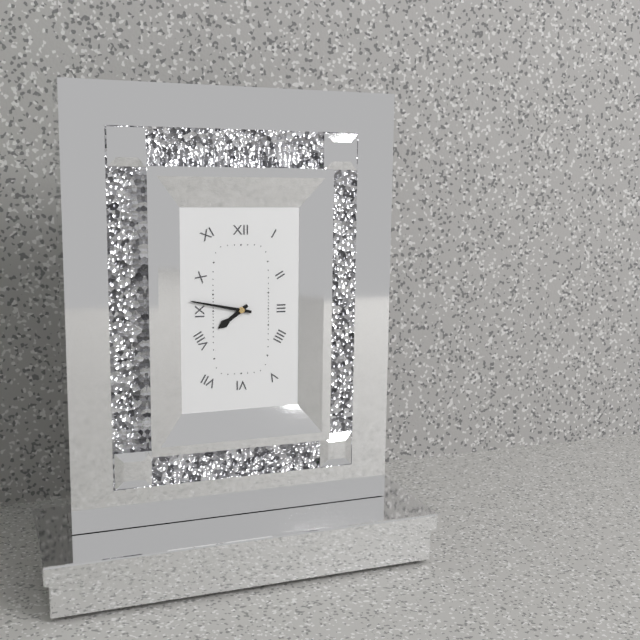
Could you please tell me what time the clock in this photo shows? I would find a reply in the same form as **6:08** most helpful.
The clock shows **7:47**
